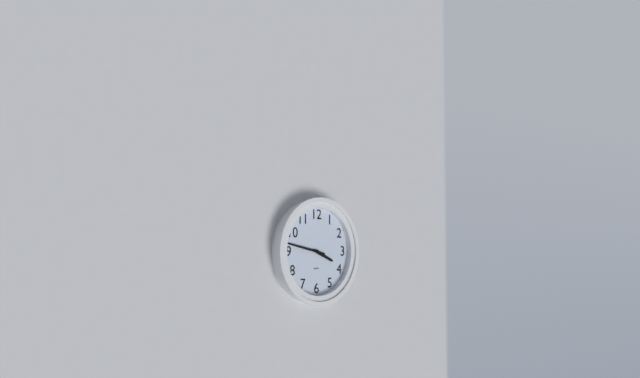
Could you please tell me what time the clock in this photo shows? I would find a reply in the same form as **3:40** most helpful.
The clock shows **3:47**
